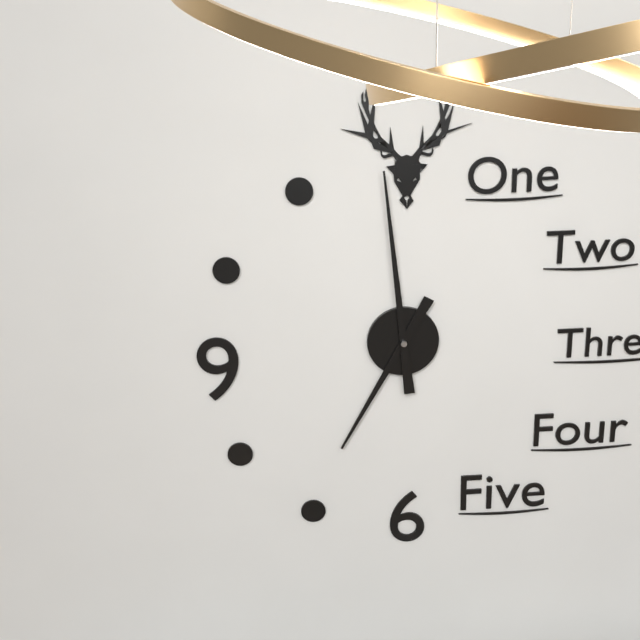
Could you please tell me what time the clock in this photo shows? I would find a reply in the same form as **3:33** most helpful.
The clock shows **6:59**
